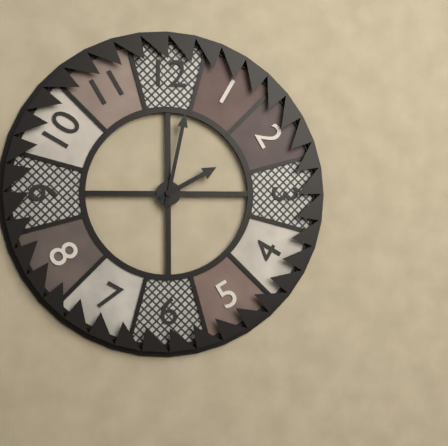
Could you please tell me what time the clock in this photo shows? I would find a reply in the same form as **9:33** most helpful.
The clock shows **2:02**
